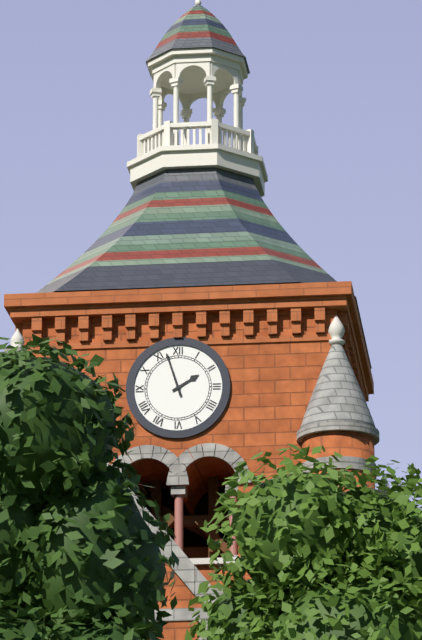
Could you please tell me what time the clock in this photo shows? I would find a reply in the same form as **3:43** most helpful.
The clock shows **1:57**
